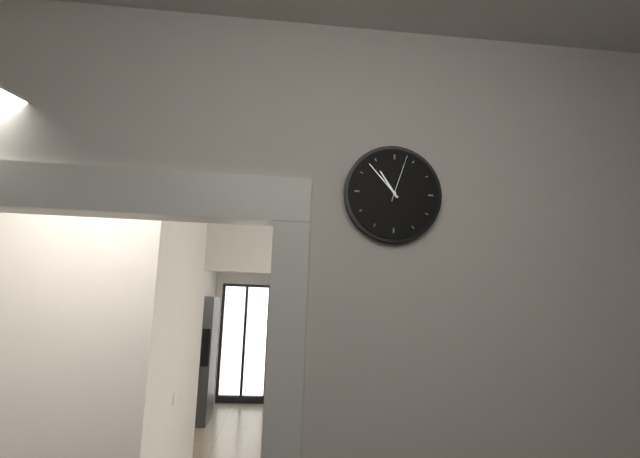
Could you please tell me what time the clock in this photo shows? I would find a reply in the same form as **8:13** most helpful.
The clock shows **10:53**
